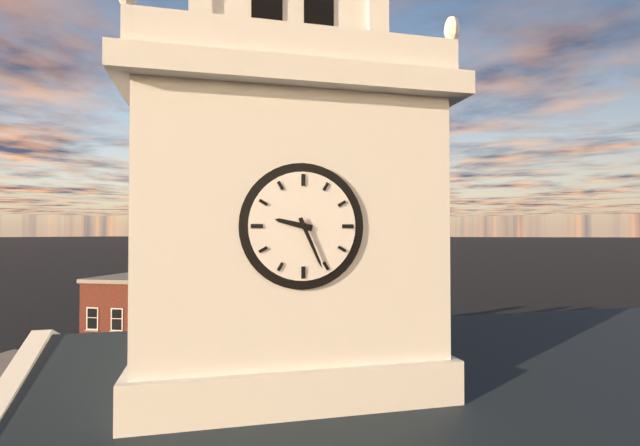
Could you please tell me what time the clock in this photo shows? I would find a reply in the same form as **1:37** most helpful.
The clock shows **9:26**
